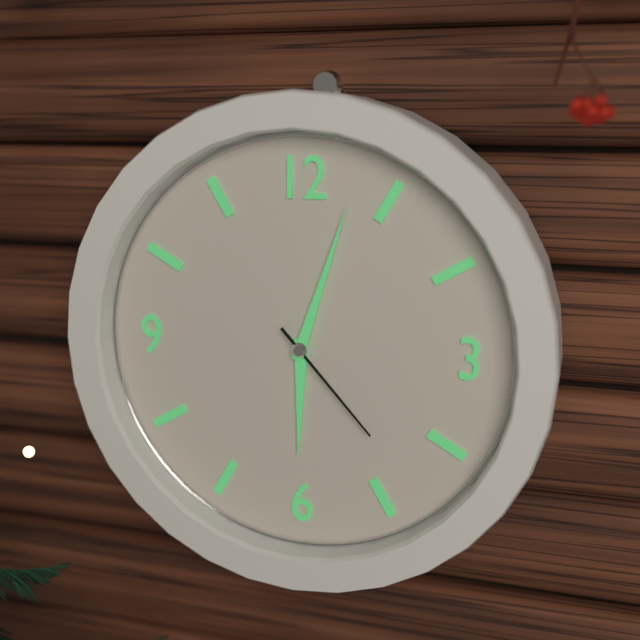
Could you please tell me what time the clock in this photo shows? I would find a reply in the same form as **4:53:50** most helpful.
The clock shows **6:03:23**
